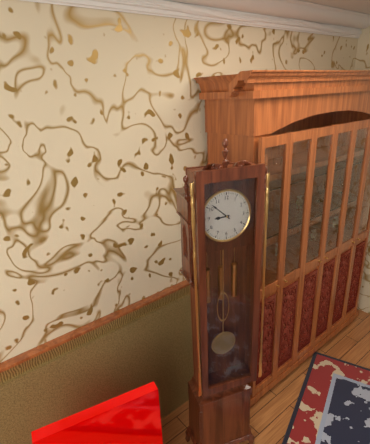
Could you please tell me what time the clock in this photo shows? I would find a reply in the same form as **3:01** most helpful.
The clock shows **8:52**
